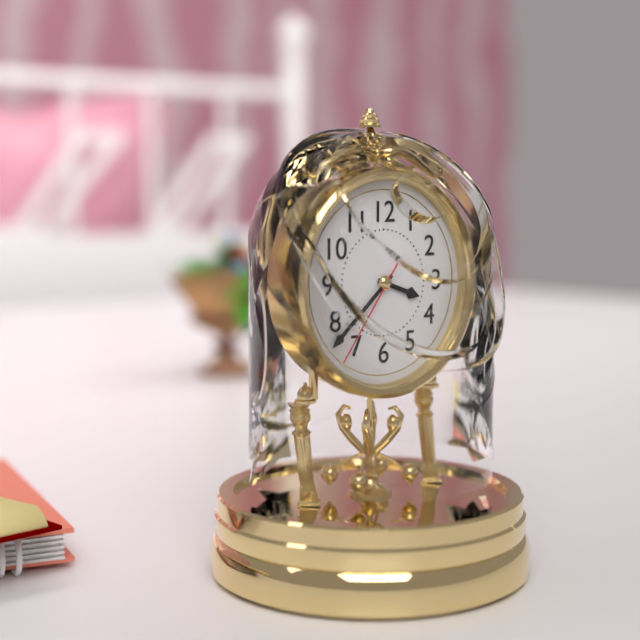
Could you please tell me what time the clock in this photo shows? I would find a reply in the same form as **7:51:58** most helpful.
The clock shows **3:38:36**
